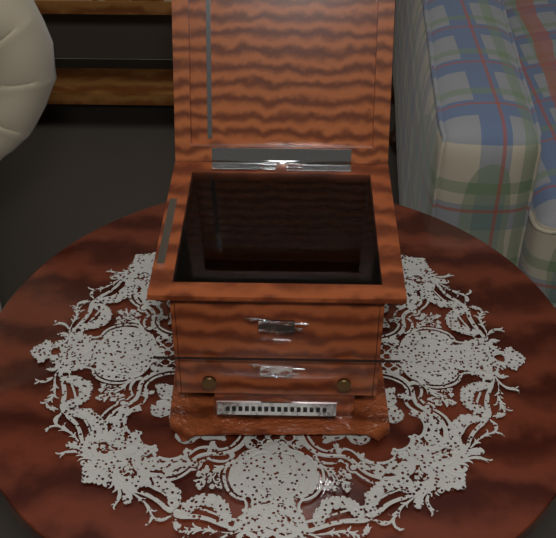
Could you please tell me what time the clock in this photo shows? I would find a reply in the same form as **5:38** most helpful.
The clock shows **5:17**
